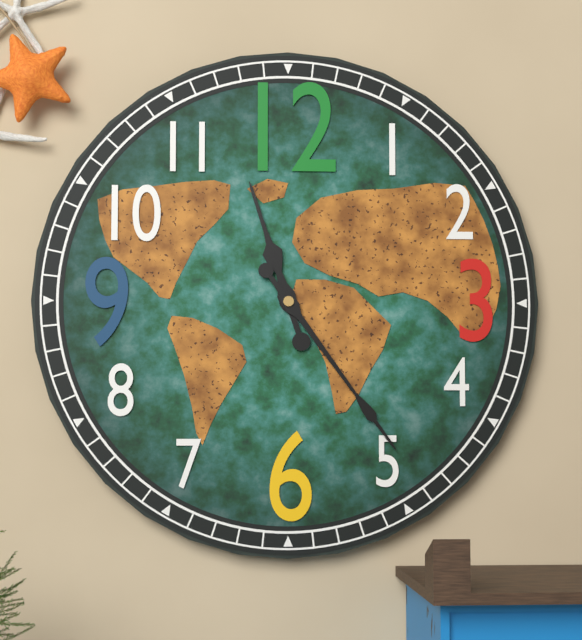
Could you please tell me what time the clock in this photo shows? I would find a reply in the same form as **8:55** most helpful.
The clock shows **11:24**
